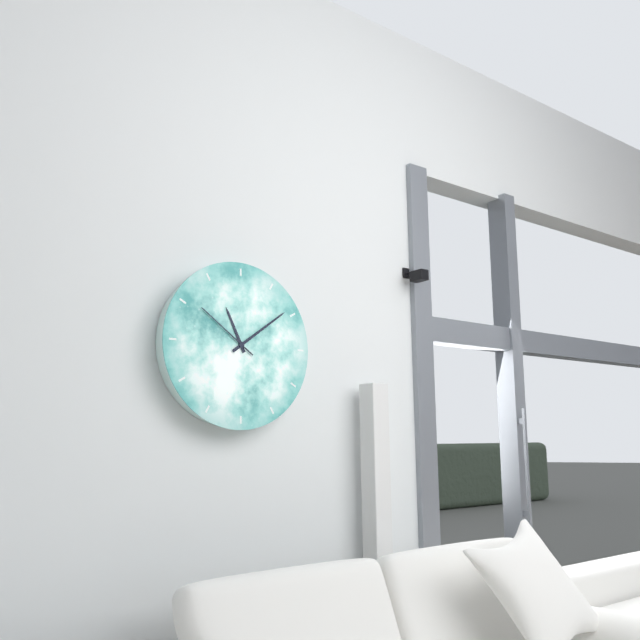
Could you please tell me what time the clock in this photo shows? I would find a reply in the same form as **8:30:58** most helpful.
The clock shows **11:09:51**
